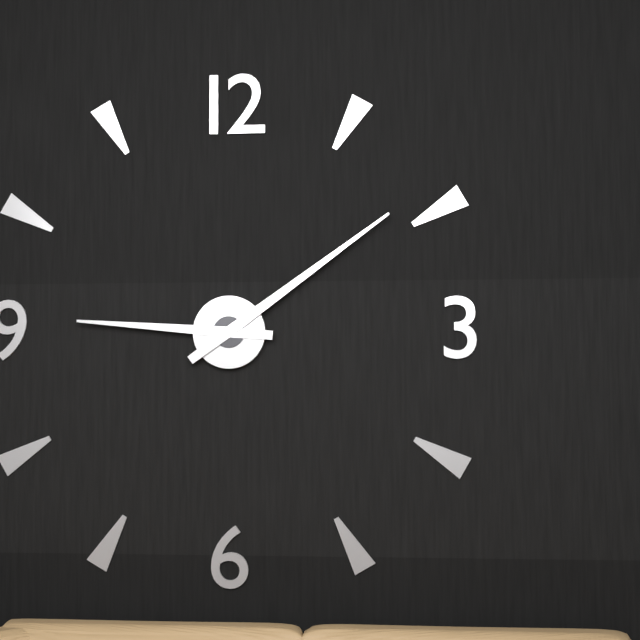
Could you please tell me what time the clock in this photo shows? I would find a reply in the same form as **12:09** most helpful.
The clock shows **9:09**
